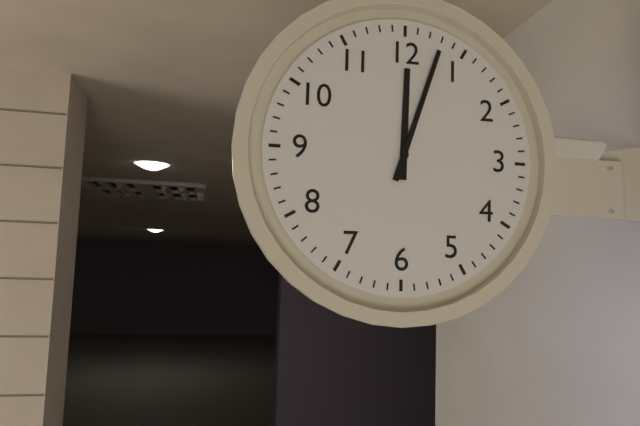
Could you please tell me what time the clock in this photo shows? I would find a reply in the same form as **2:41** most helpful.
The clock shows **12:03**
